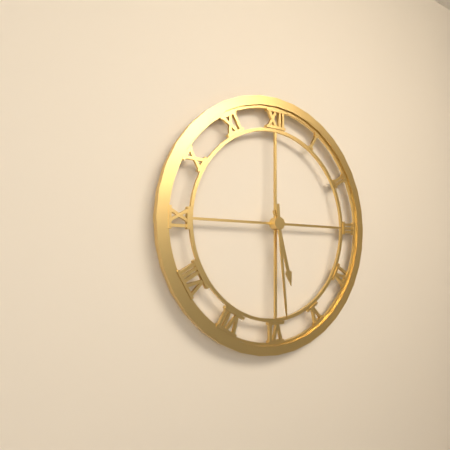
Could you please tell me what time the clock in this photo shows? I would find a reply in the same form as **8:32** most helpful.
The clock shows **5:29**
